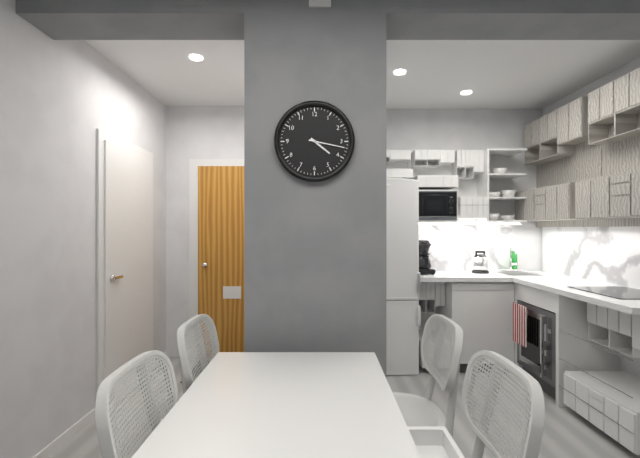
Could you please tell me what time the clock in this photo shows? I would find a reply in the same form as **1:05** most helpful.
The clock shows **4:17**
